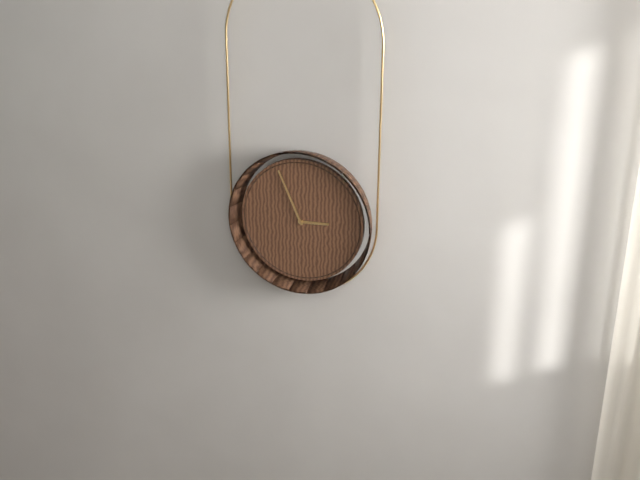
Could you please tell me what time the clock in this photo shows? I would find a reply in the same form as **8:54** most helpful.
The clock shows **2:56**
